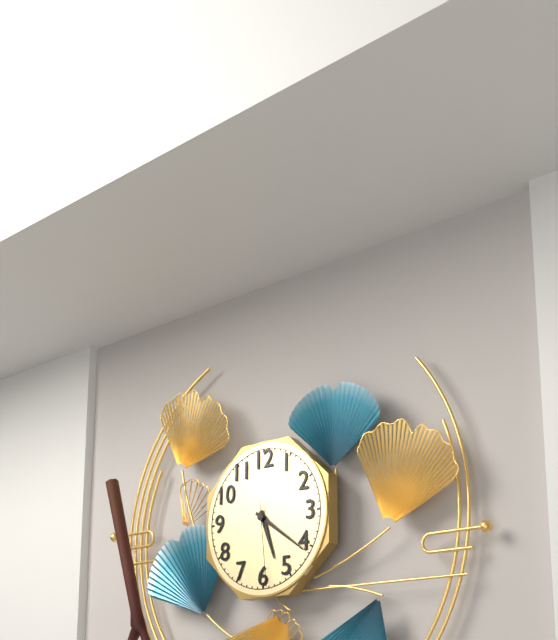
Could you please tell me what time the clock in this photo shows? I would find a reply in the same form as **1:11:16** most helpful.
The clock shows **5:21:29**
